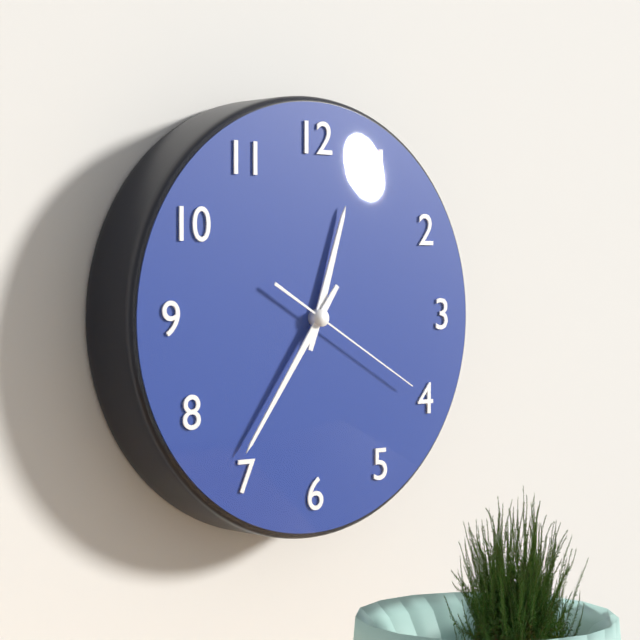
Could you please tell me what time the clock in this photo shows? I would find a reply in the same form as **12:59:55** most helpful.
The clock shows **12:36:20**
